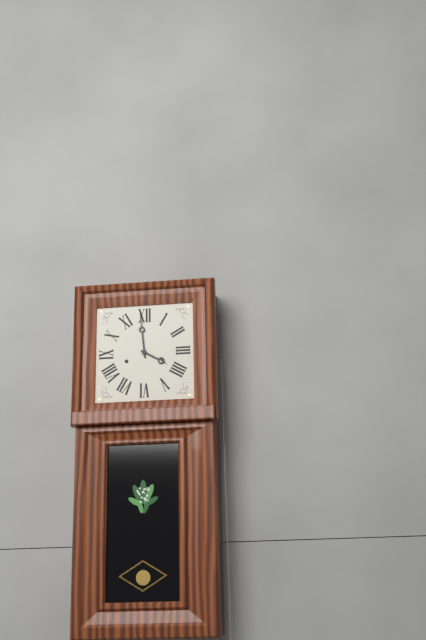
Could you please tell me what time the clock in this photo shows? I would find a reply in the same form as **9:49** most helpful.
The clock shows **3:59**
